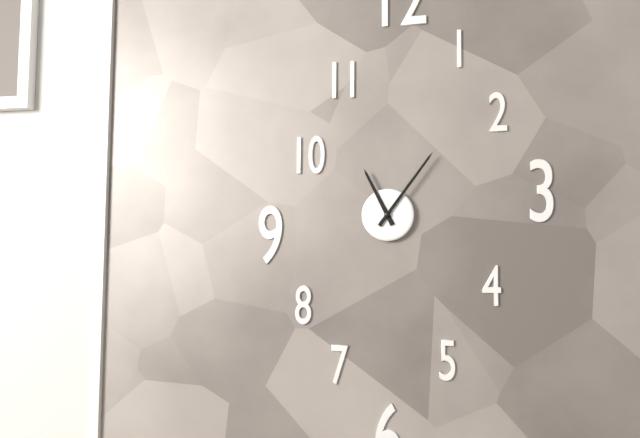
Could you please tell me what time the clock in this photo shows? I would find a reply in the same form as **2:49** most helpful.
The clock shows **11:06**
